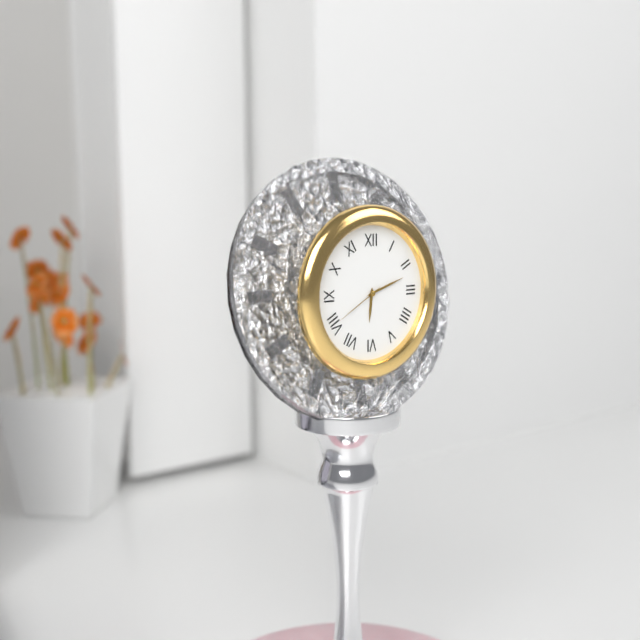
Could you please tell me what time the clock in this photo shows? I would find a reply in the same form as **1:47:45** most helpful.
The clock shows **6:12:40**
